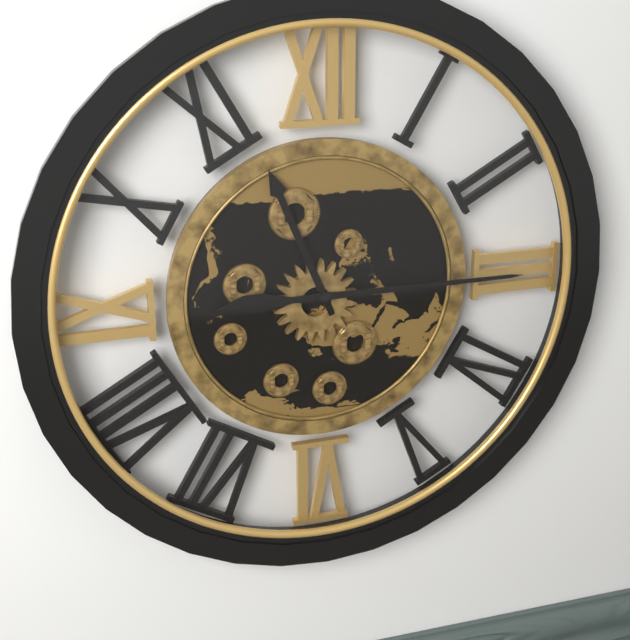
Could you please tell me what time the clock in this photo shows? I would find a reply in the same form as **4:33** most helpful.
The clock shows **11:15**
